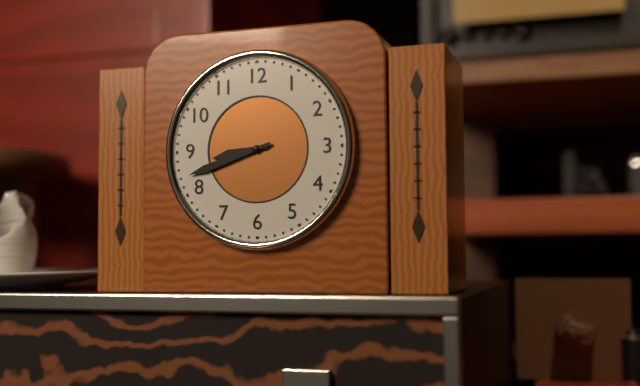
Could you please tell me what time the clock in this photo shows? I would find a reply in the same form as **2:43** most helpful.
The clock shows **8:42**
